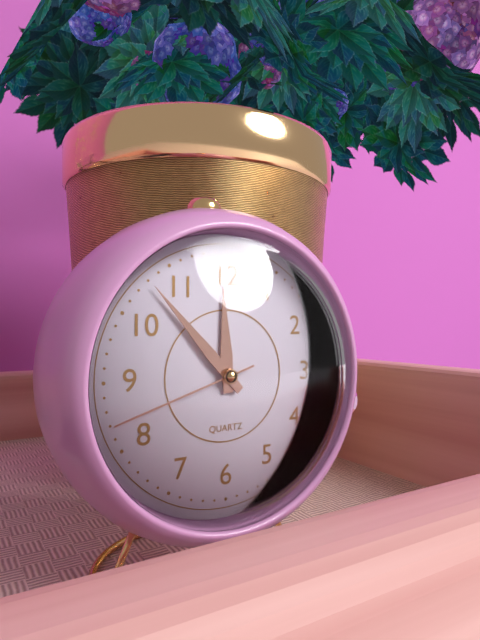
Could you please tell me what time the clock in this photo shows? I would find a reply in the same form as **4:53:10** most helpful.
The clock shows **11:53:42**
